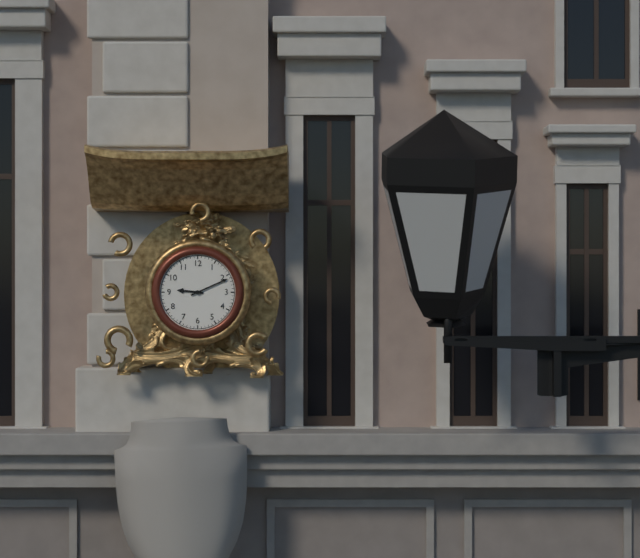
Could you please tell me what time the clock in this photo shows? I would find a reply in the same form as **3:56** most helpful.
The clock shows **9:11**
